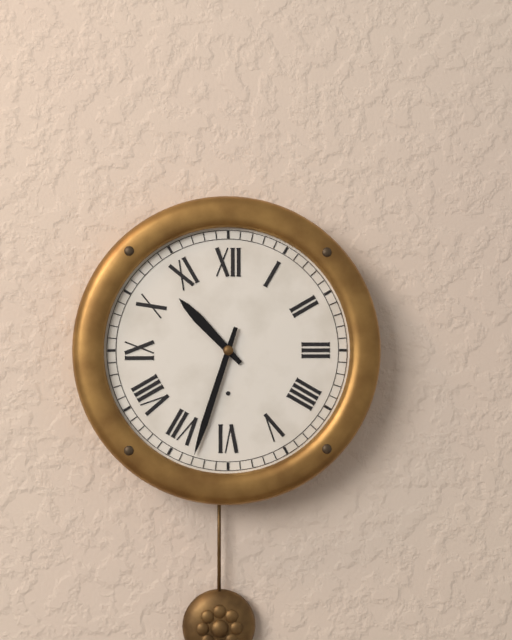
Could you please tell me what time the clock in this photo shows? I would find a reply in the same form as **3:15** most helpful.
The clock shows **10:33**
